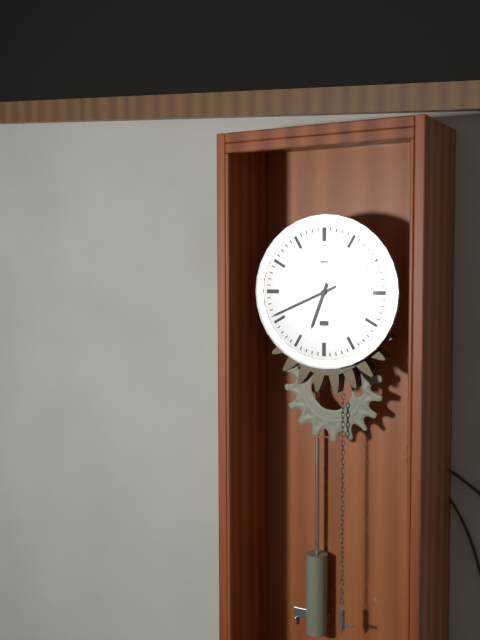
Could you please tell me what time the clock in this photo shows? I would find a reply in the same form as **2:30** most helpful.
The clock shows **6:41**
